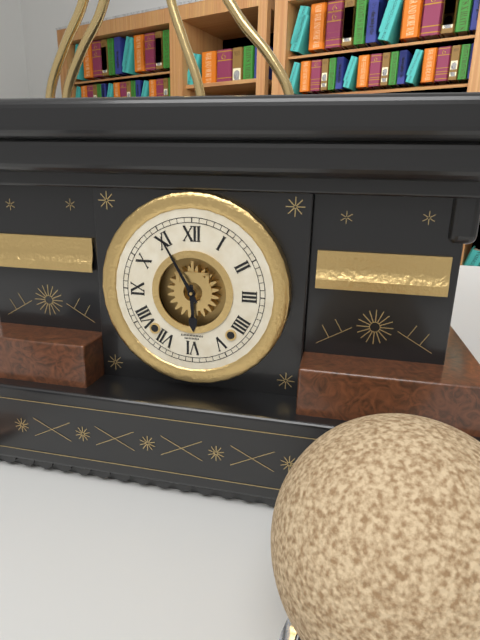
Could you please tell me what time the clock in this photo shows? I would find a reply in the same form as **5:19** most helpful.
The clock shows **5:55**
